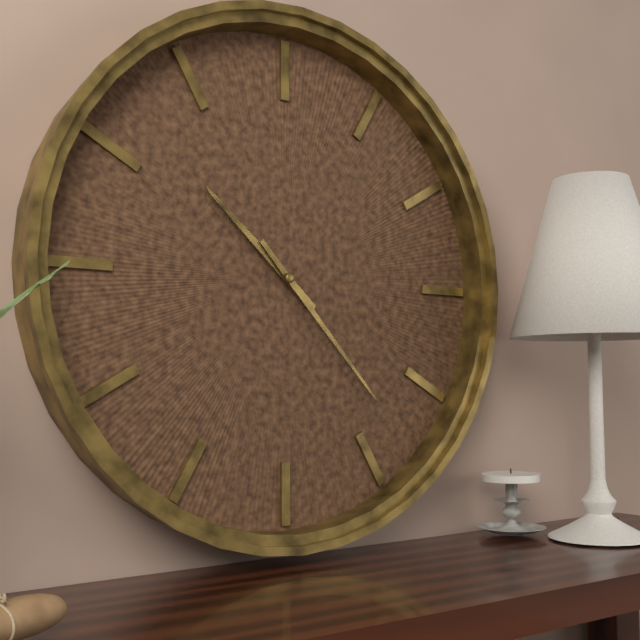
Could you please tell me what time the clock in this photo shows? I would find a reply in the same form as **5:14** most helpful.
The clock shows **10:23**
